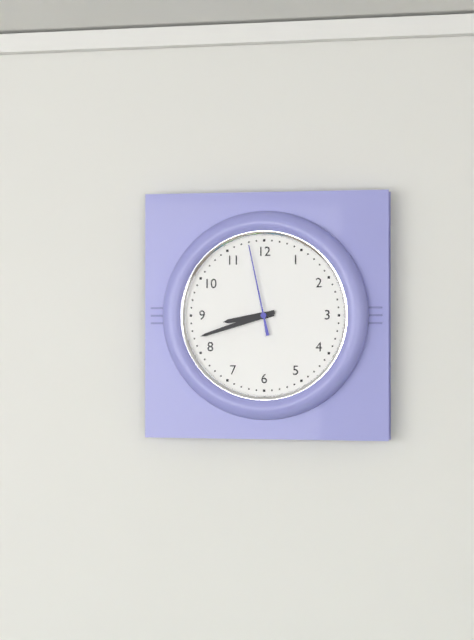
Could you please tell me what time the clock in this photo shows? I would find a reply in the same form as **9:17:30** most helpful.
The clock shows **8:42:58**
